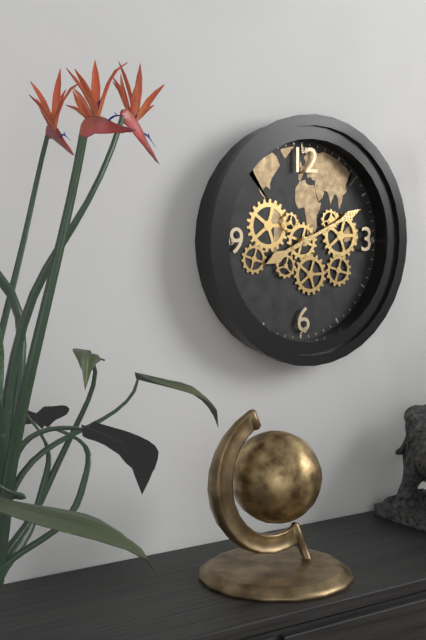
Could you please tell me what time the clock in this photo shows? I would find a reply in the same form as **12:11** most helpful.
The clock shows **8:11**
